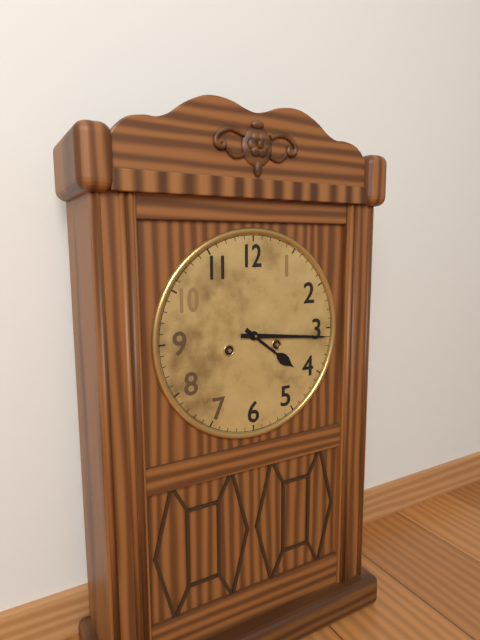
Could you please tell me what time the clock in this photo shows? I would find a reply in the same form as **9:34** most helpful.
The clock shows **4:16**
